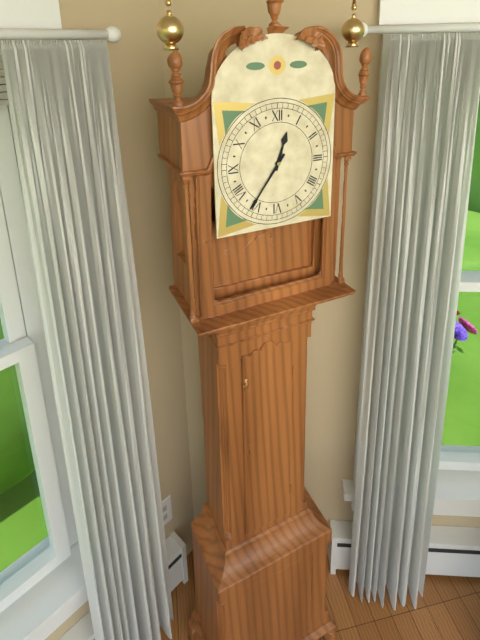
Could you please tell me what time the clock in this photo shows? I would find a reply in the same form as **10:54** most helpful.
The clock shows **12:36**
